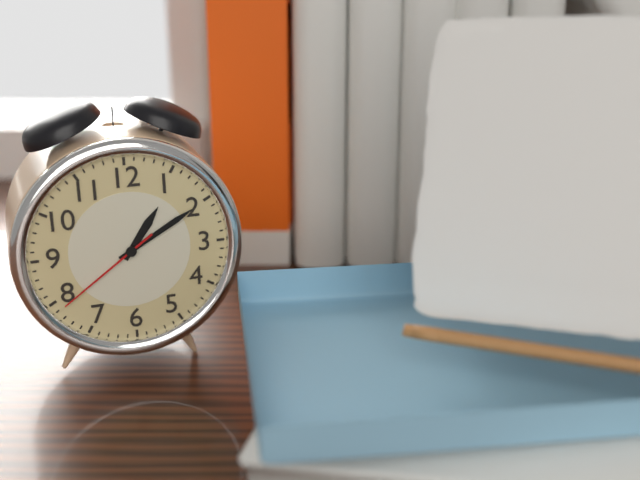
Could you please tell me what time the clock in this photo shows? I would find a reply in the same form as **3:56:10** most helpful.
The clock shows **1:10:39**
